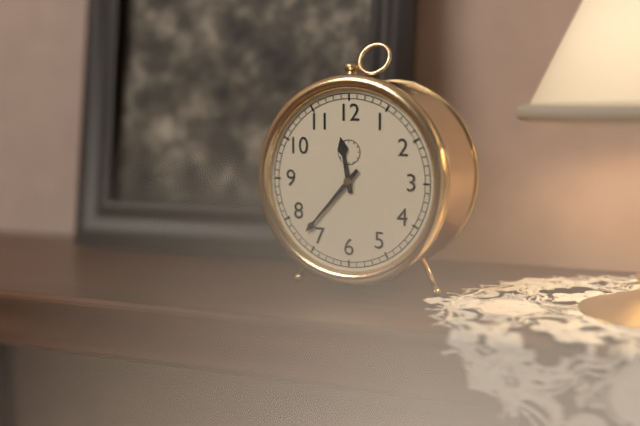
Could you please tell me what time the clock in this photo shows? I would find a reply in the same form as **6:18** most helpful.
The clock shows **11:37**
